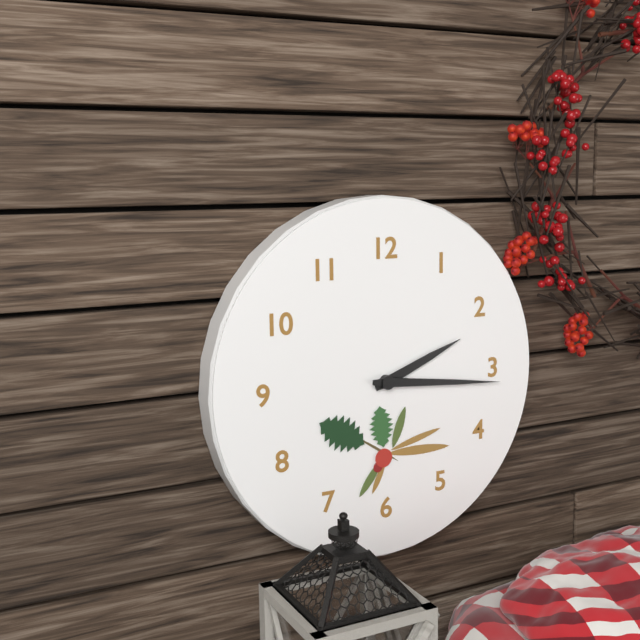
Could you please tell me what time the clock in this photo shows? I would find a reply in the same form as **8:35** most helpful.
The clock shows **2:16**
